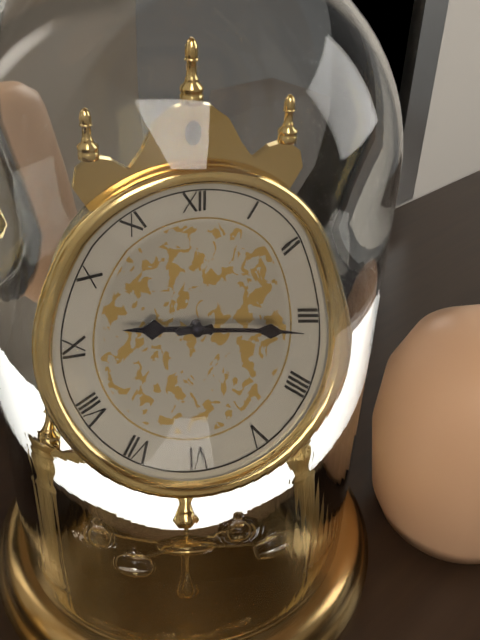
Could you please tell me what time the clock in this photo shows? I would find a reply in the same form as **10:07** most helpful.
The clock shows **9:16**
